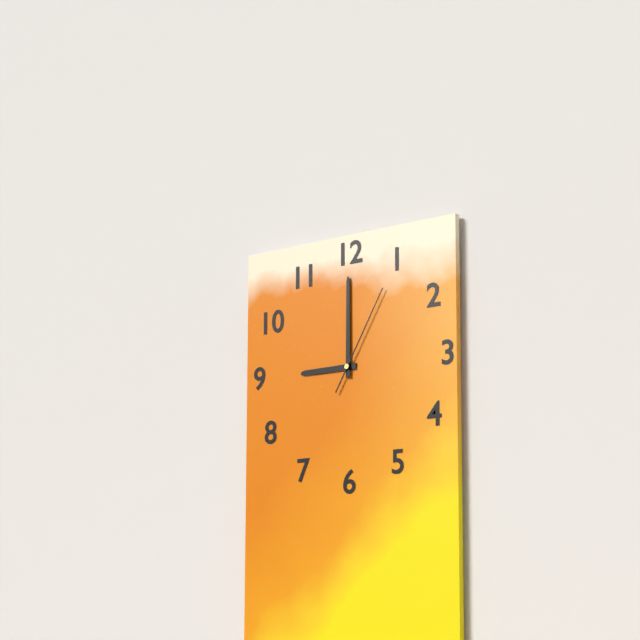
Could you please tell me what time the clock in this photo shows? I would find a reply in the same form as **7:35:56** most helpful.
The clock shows **9:00:05**
